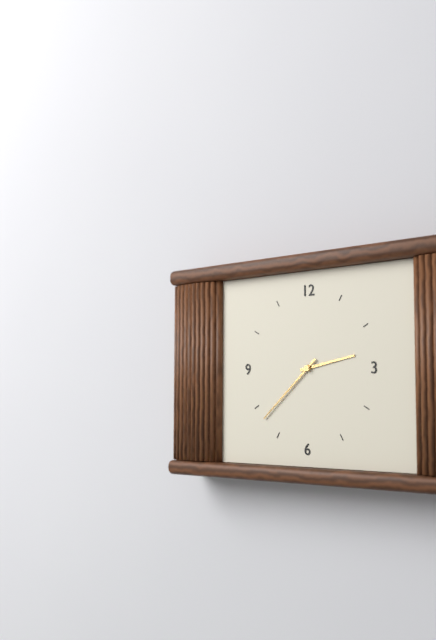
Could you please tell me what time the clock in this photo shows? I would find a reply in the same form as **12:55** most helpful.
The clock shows **2:38**
